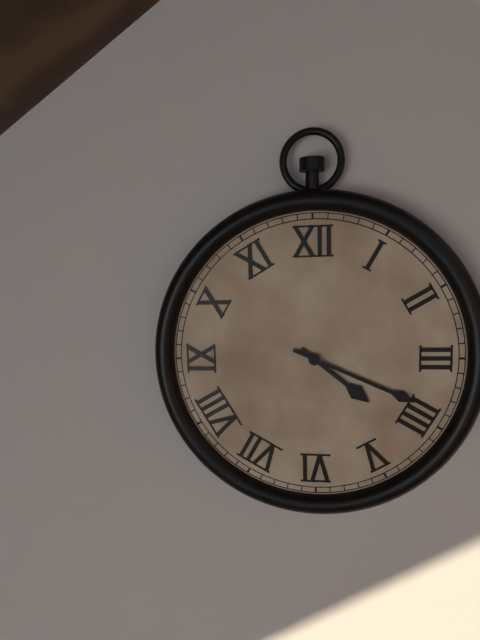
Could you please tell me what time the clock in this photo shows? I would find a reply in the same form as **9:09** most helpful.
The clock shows **4:19**
